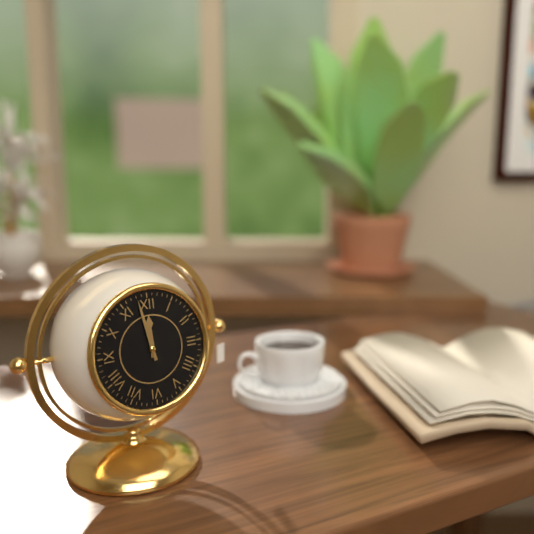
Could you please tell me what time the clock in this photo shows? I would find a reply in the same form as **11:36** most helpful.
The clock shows **11:58**
